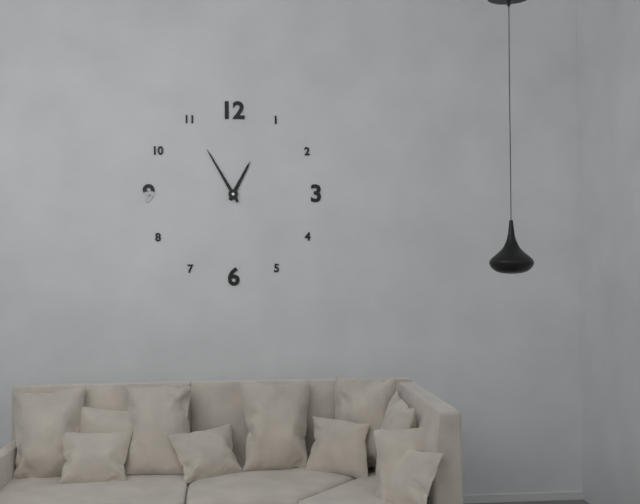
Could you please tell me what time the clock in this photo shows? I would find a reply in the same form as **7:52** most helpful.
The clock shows **12:55**
